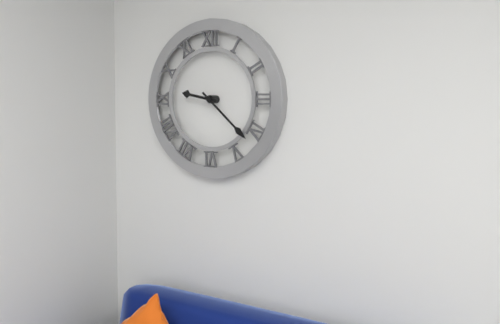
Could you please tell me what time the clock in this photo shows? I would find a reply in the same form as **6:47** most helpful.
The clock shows **9:22**
